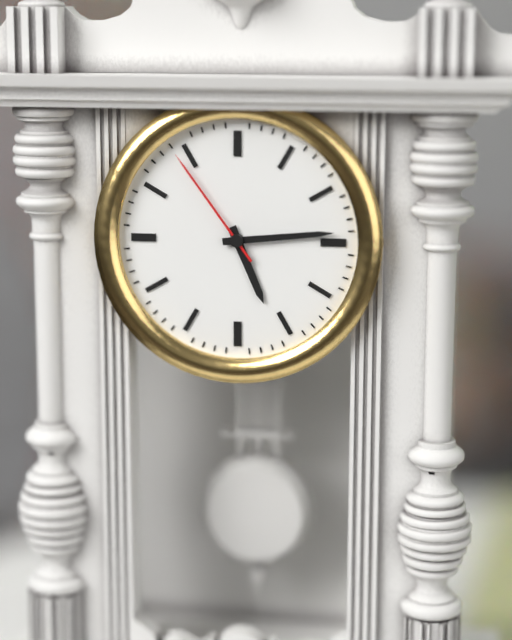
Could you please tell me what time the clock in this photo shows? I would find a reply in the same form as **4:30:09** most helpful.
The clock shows **5:14:54**
